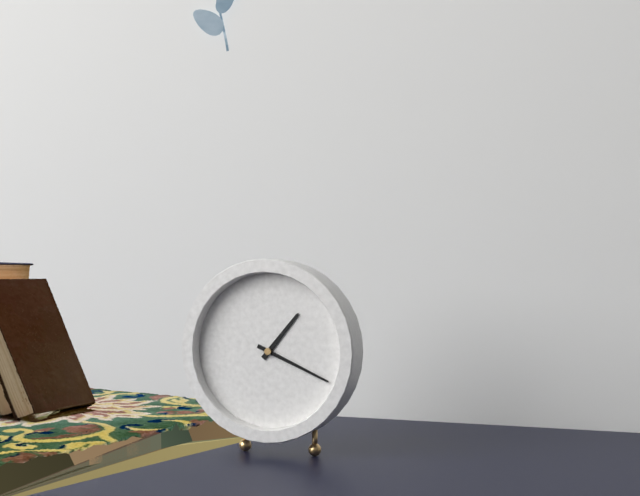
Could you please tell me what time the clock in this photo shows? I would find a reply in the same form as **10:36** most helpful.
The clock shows **1:19**
